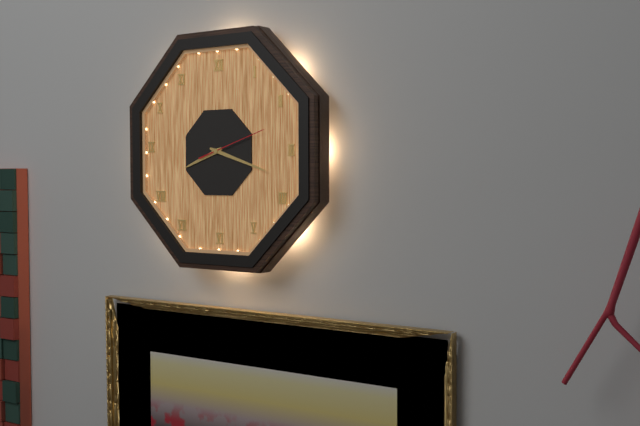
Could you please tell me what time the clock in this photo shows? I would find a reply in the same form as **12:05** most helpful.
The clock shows **8:18**
